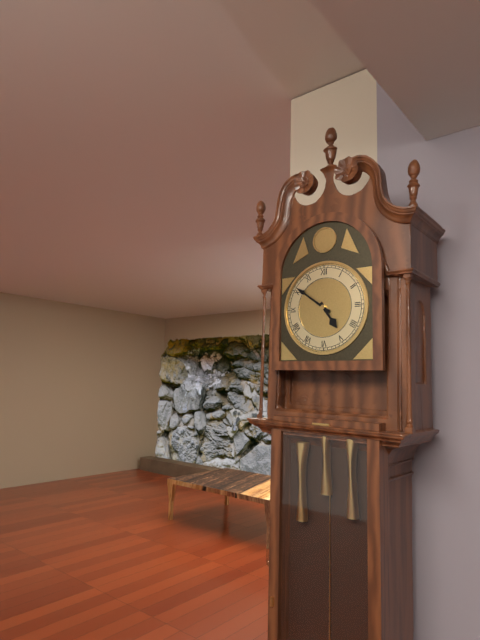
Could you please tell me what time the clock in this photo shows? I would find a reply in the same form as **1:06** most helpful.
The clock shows **4:51**
